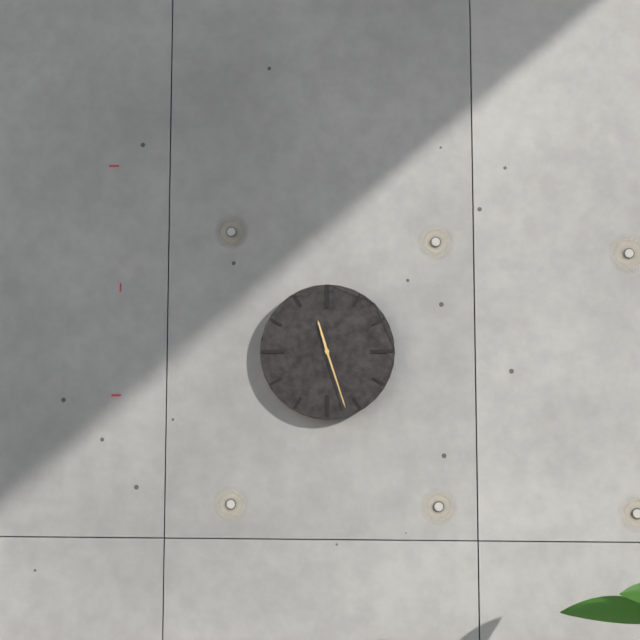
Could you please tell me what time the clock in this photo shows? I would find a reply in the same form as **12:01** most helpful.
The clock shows **11:27**
